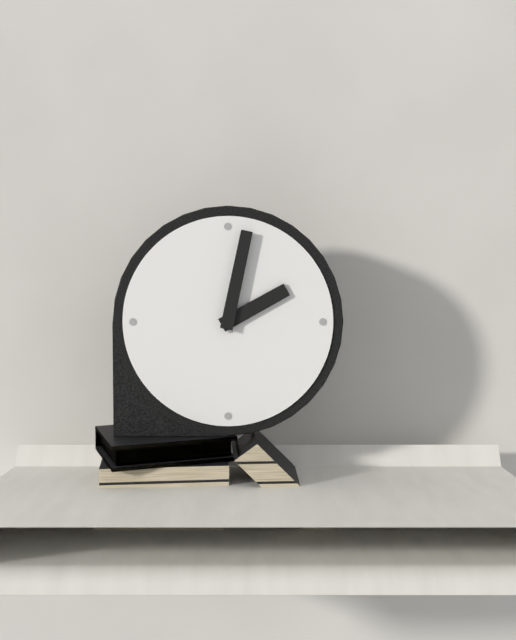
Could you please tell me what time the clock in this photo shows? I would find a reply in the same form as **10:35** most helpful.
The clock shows **2:02**
